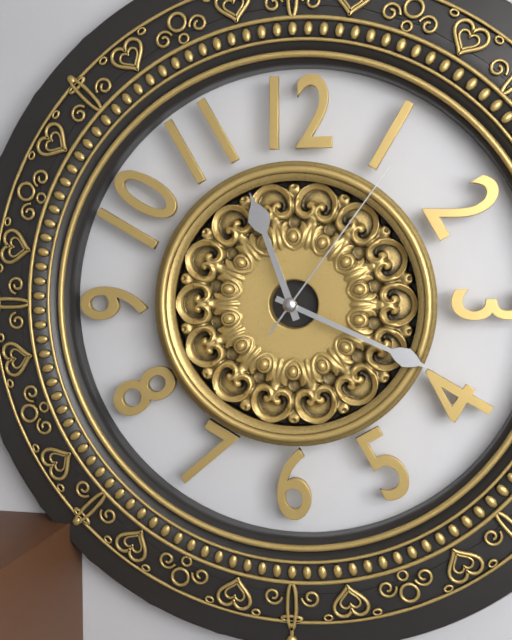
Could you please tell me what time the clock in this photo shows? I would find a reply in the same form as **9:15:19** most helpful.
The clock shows **11:19:06**
